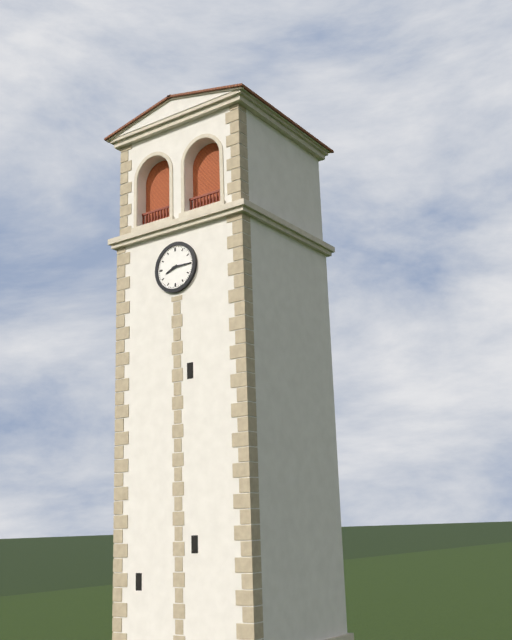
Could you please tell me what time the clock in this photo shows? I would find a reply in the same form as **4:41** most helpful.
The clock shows **8:15**
